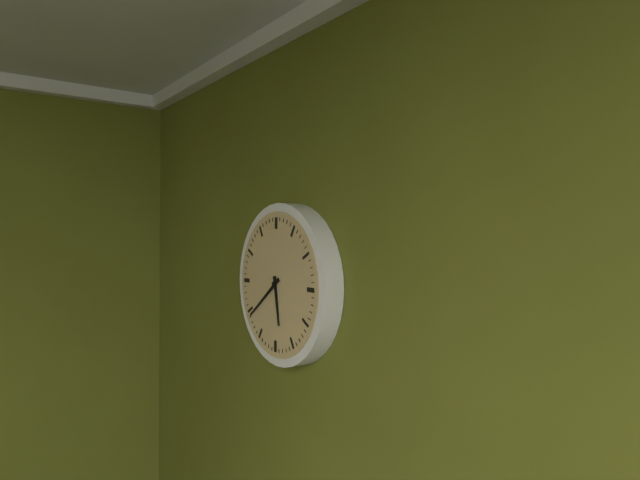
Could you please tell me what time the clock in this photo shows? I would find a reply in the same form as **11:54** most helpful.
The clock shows **5:39**
